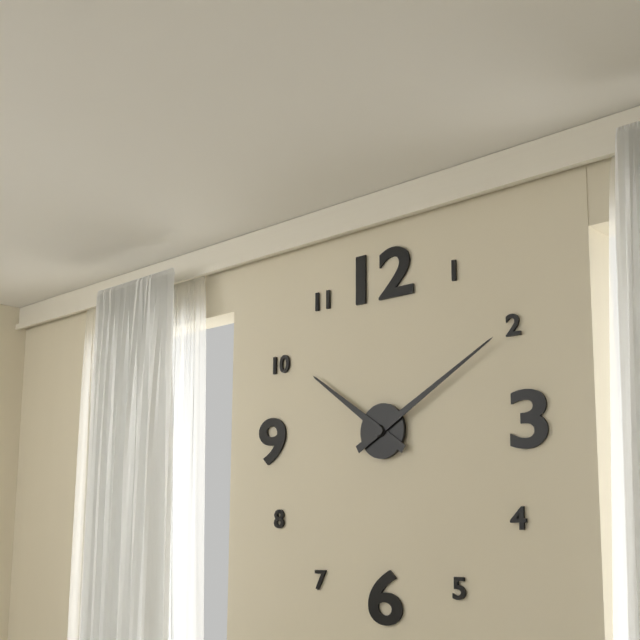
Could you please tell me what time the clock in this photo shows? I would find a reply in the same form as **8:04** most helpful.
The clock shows **10:10**
